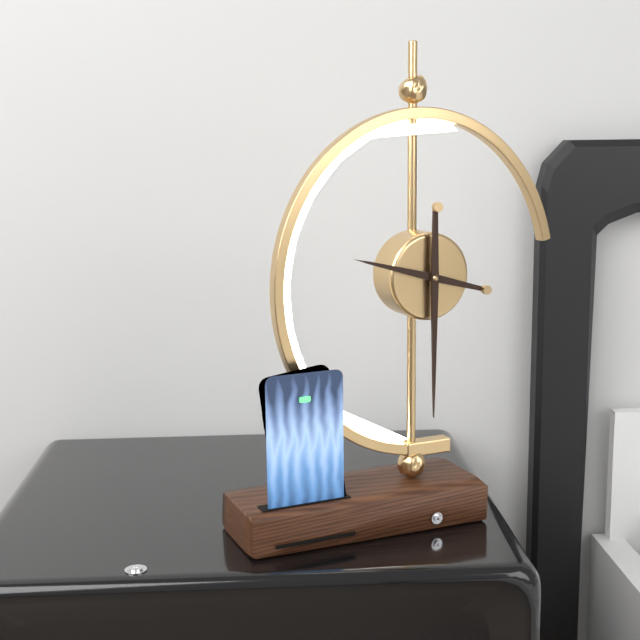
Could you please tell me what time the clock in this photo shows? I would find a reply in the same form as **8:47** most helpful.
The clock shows **9:30**
